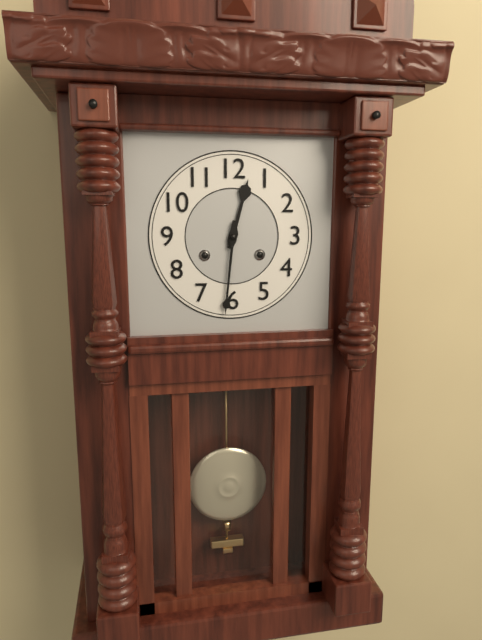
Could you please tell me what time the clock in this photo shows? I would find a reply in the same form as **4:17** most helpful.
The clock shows **12:31**
